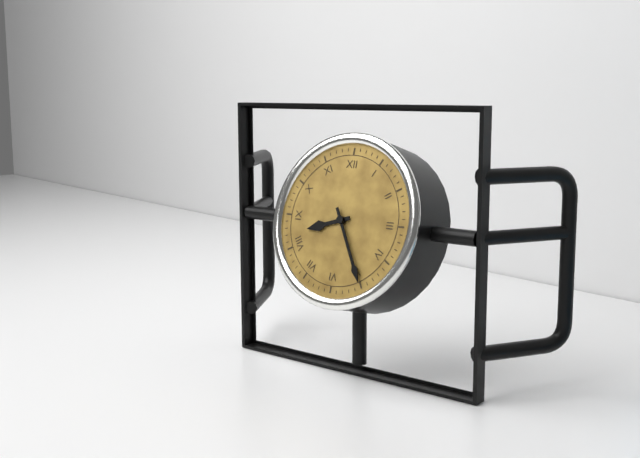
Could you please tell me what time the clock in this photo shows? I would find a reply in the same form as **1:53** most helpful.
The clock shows **8:25**
